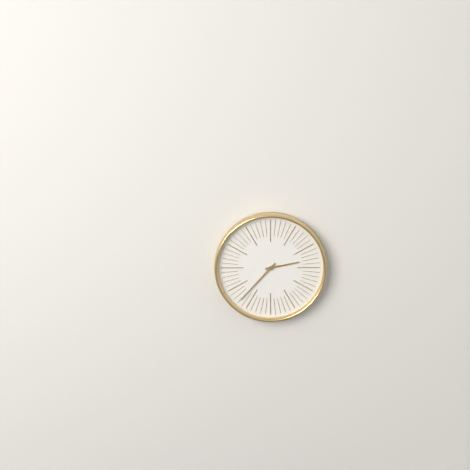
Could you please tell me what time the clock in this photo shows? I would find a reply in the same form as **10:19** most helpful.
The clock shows **2:37**
